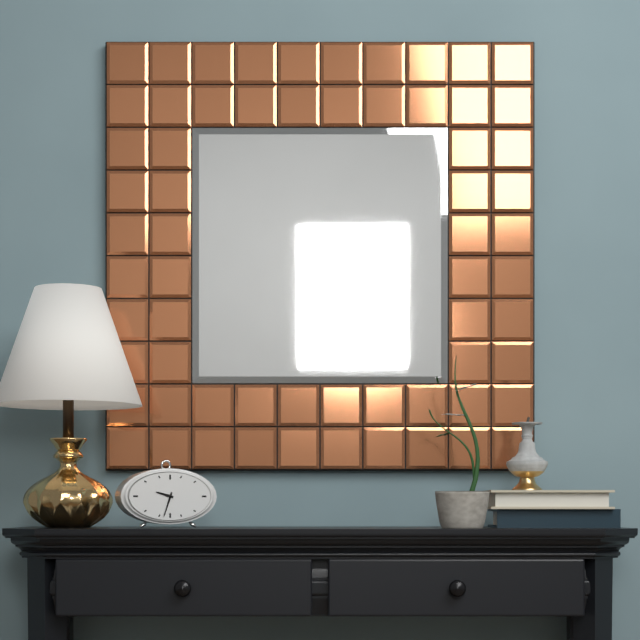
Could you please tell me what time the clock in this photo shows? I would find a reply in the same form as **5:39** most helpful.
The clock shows **9:33**
